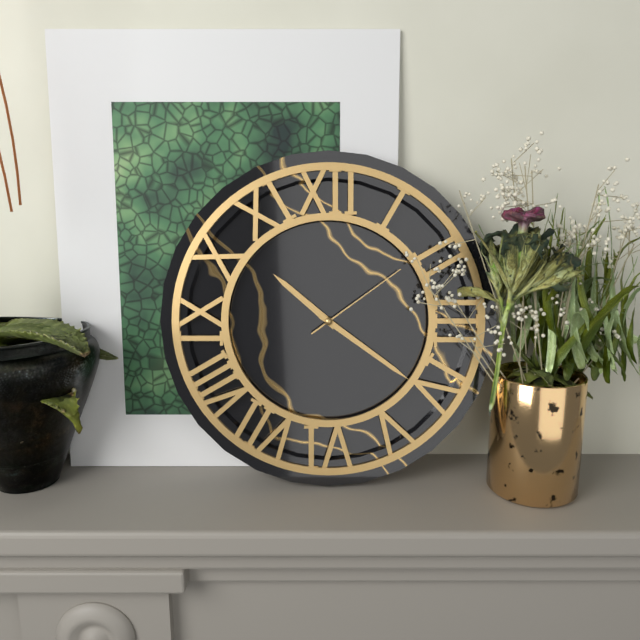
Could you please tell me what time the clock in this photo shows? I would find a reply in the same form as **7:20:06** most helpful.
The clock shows **10:21:09**
